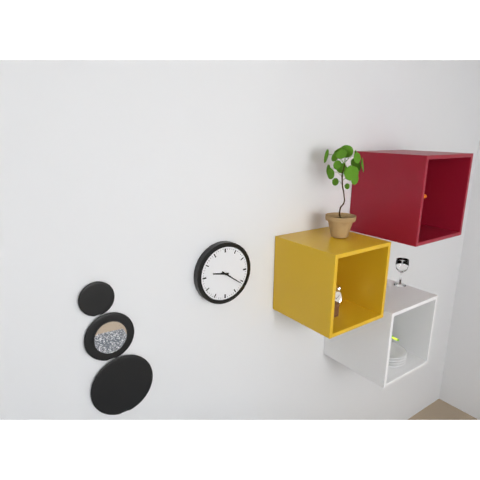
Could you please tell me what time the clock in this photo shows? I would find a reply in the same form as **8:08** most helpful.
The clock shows **9:21**
